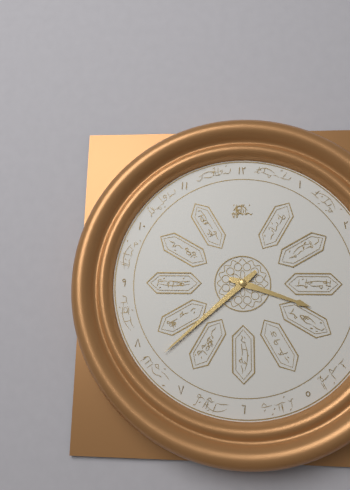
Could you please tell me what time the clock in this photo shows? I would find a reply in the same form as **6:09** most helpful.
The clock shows **3:38**
